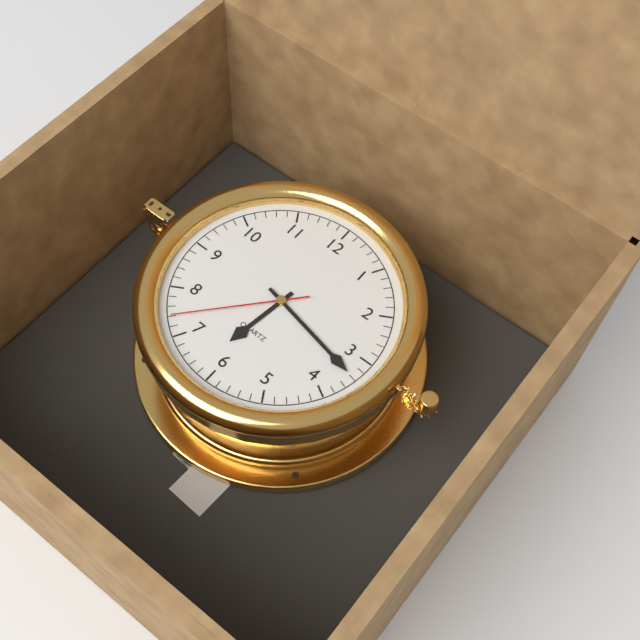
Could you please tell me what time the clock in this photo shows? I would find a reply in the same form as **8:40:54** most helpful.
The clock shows **6:17:37**
